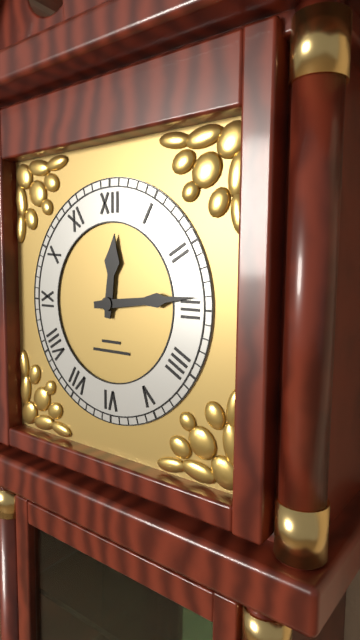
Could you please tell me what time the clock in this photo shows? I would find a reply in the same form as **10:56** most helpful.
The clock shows **12:14**
